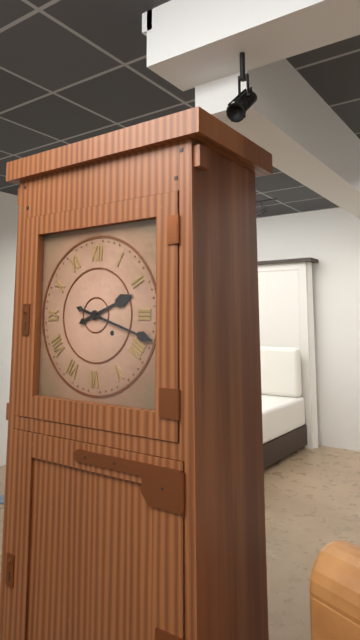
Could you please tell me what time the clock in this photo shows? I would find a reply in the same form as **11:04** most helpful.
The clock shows **2:18**
